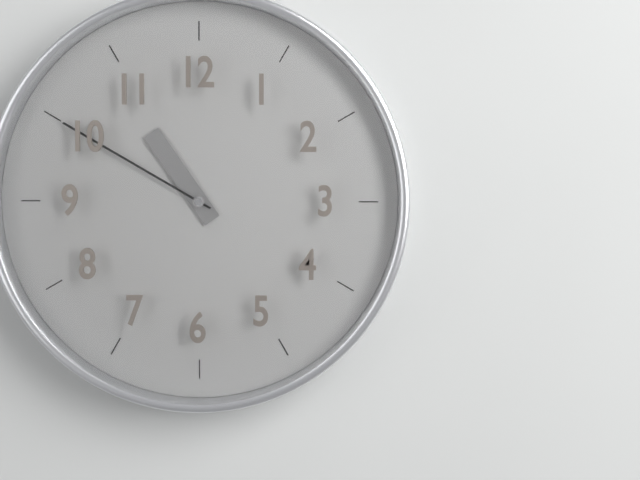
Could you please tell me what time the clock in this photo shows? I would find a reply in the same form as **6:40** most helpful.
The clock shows **10:50**
